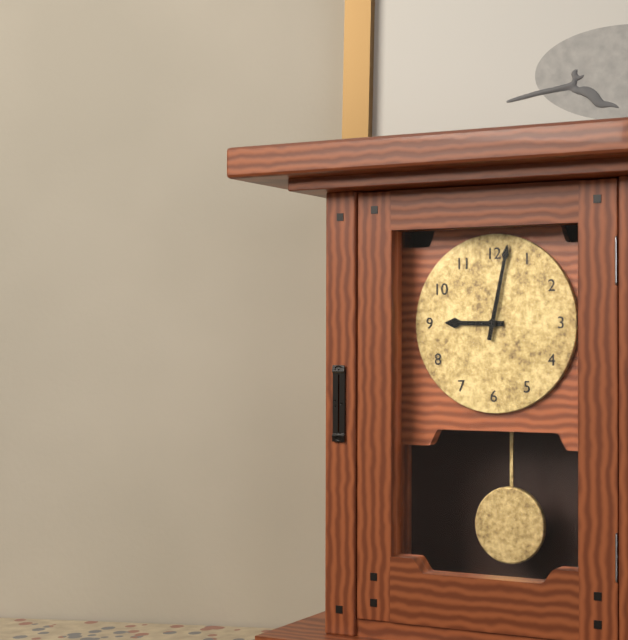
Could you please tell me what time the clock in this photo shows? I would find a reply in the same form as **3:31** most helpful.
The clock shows **9:02**
